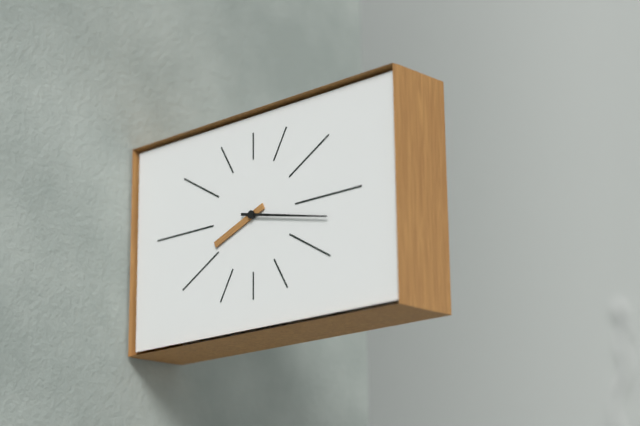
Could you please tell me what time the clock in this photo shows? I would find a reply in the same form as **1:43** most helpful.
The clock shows **8:17**
